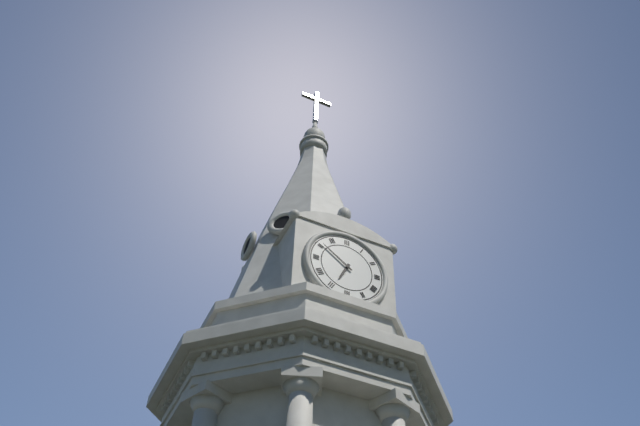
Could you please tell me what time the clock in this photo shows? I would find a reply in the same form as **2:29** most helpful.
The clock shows **6:51**
